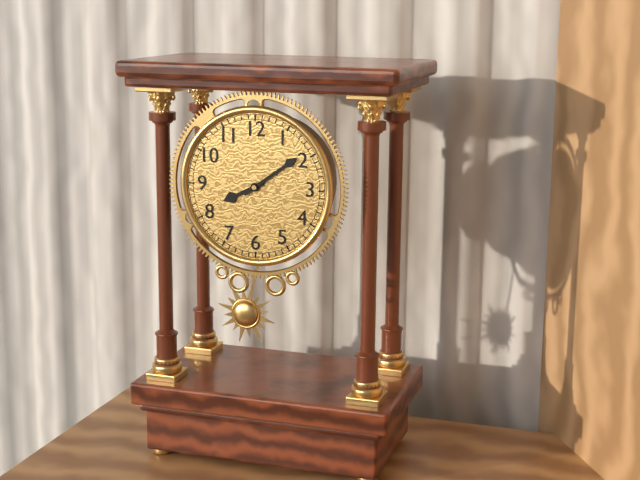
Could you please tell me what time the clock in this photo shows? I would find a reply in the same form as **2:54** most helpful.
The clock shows **8:09**
